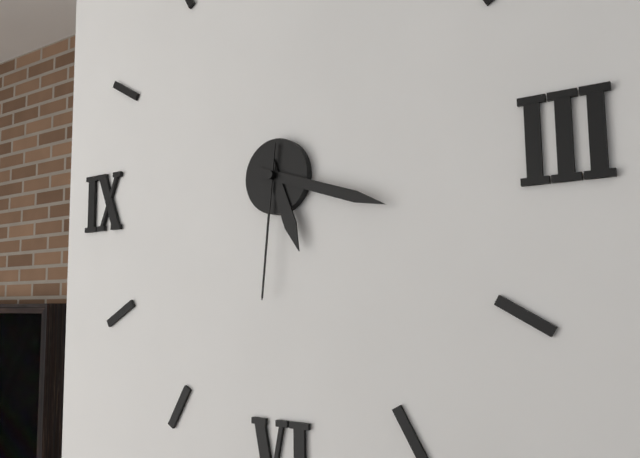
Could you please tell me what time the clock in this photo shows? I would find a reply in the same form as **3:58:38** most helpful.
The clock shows **5:18:31**
